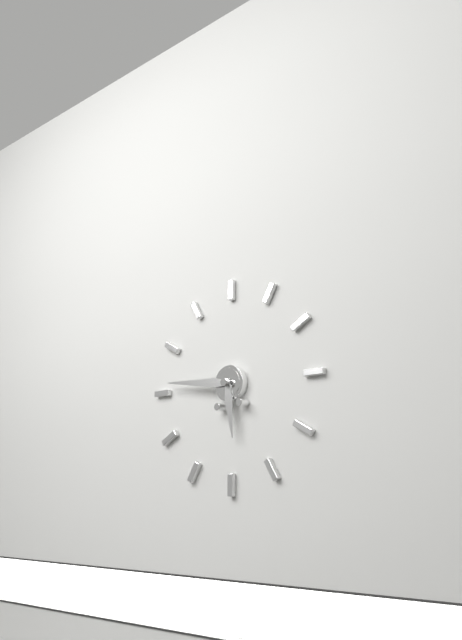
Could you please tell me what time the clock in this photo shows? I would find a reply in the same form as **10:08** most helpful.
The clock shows **5:46**
